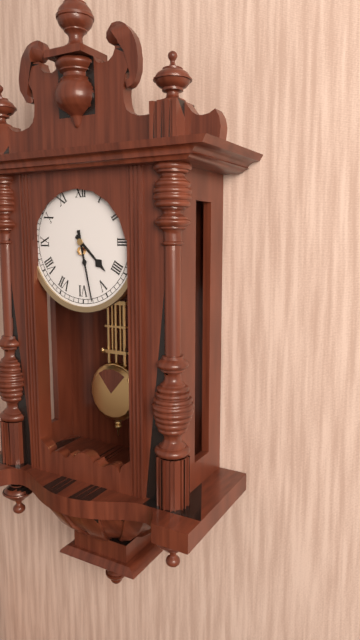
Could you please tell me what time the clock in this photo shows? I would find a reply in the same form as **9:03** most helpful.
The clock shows **4:28**
